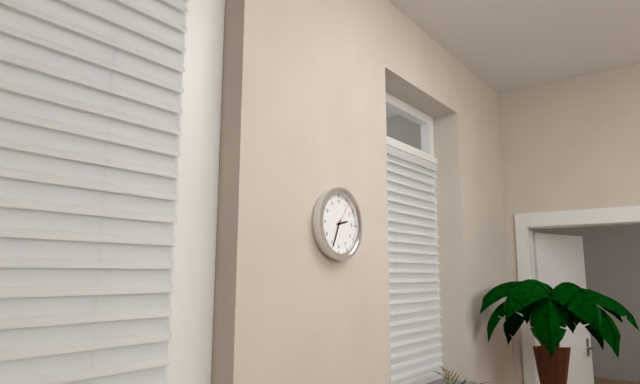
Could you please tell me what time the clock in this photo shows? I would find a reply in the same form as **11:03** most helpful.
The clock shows **2:34**
